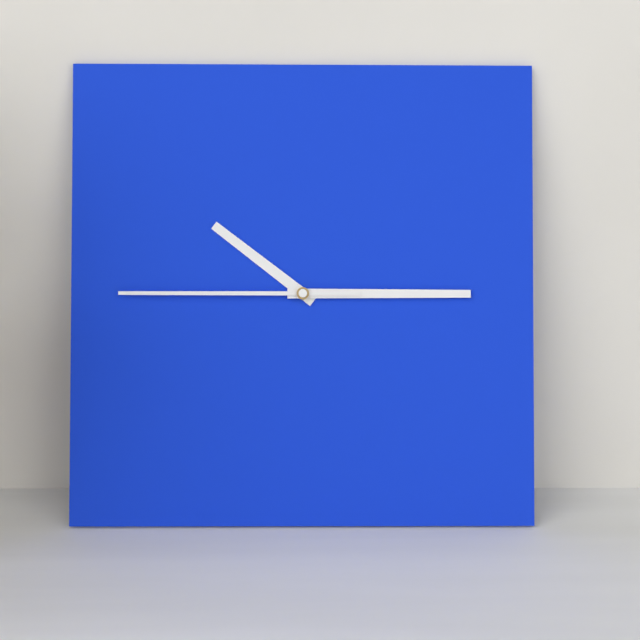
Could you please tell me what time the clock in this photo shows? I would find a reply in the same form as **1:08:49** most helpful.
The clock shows **10:15:45**
